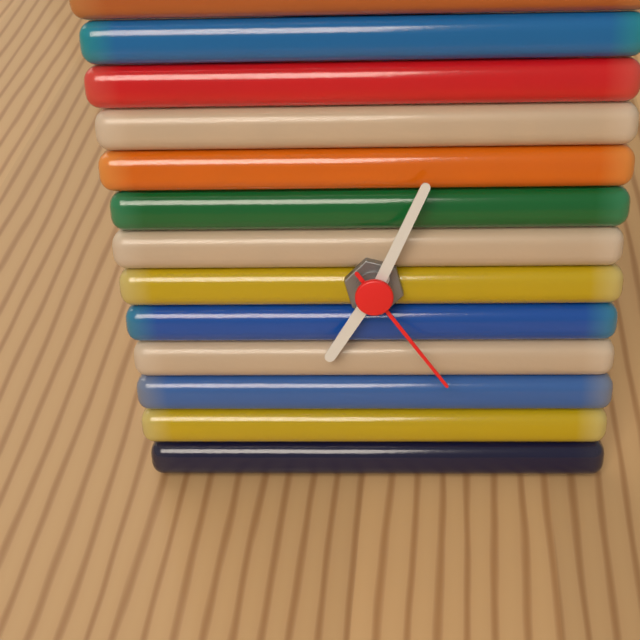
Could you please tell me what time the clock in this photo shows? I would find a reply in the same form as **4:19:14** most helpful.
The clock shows **7:04:24**
